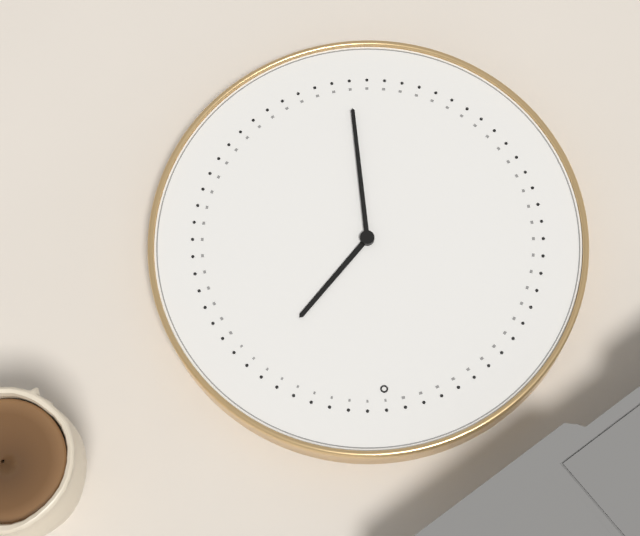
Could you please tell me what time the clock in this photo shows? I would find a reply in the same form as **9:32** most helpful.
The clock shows **1:30**
